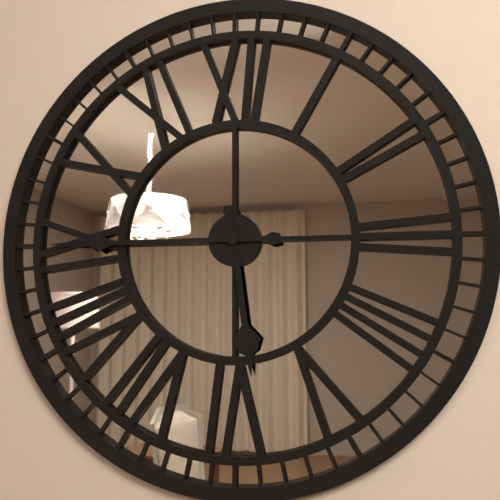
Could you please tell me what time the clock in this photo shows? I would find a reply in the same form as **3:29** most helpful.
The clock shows **5:45**
